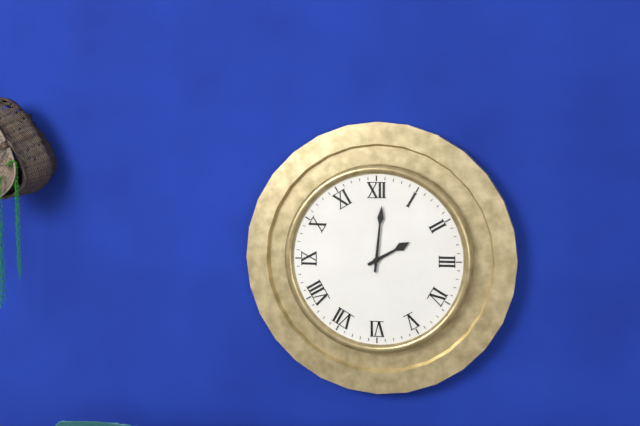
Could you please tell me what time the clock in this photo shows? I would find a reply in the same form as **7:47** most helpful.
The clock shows **2:01**
